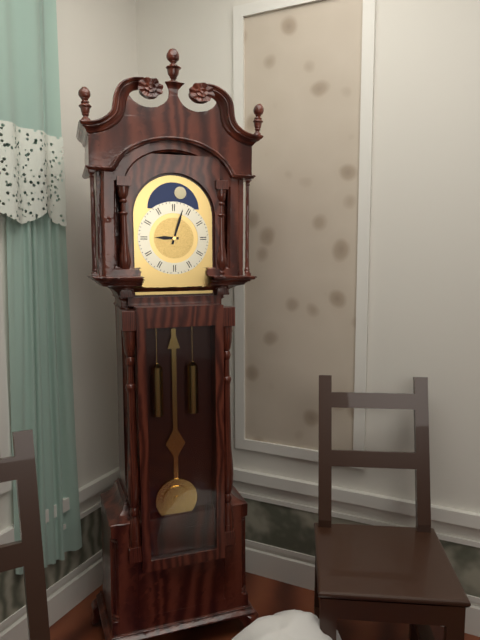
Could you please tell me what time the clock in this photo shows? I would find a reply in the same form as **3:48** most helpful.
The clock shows **9:03**
